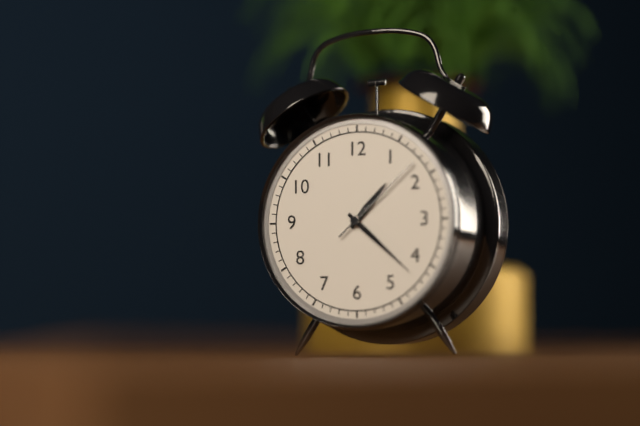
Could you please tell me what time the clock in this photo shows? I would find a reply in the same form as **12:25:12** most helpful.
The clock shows **1:22:08**
